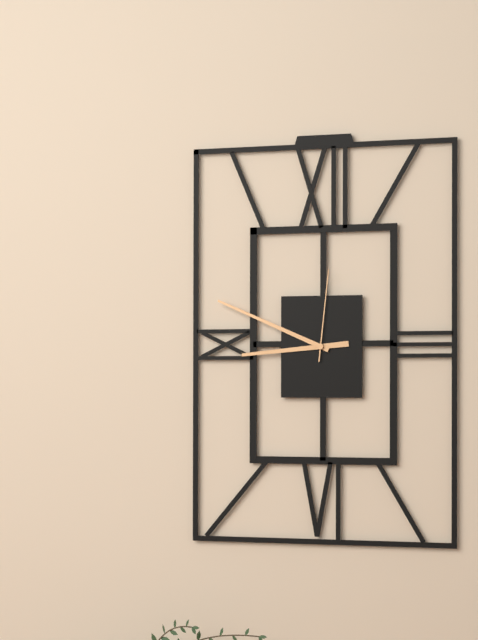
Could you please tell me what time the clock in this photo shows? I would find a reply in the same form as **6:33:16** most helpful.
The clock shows **8:49:01**
